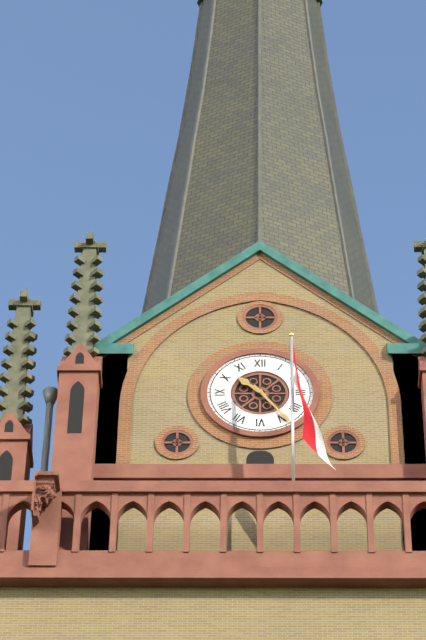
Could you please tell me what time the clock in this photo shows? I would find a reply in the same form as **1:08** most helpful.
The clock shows **10:24**
